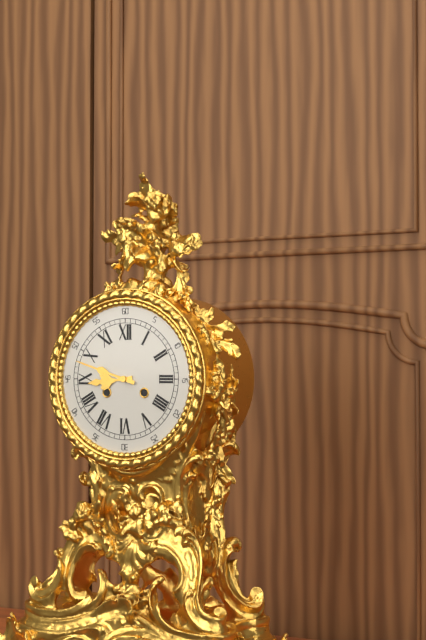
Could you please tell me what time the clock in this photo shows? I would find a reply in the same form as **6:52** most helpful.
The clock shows **8:48**
